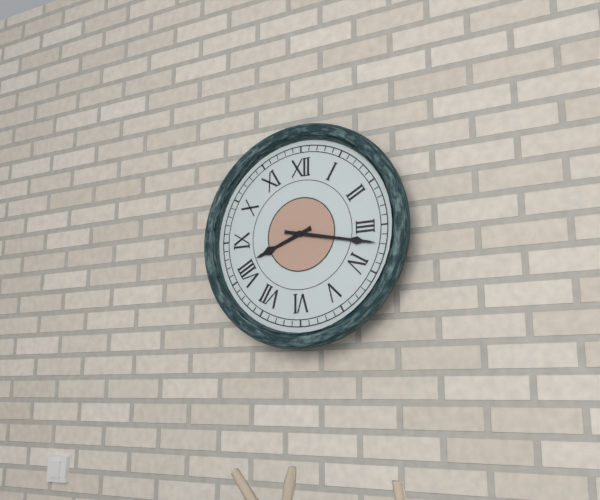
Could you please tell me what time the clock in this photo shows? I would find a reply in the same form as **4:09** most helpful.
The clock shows **8:17**
